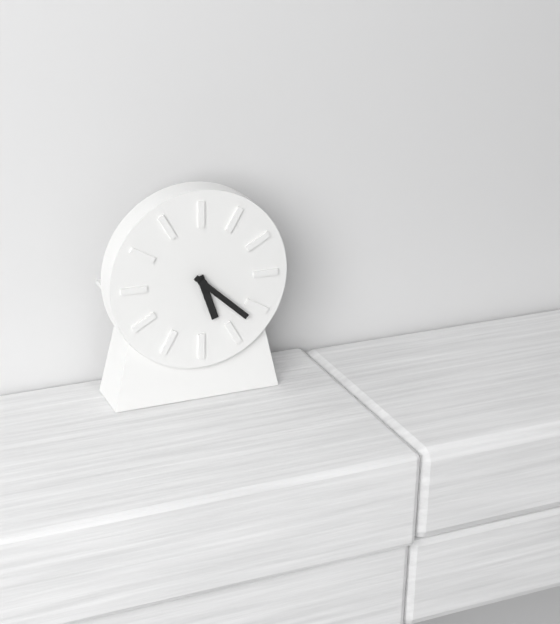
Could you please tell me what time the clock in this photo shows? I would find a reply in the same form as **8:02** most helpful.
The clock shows **5:22**
